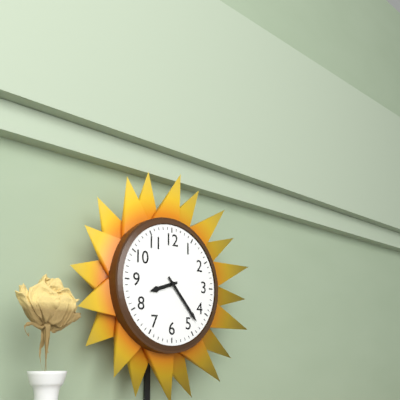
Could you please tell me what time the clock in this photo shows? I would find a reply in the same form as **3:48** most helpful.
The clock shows **8:23**
